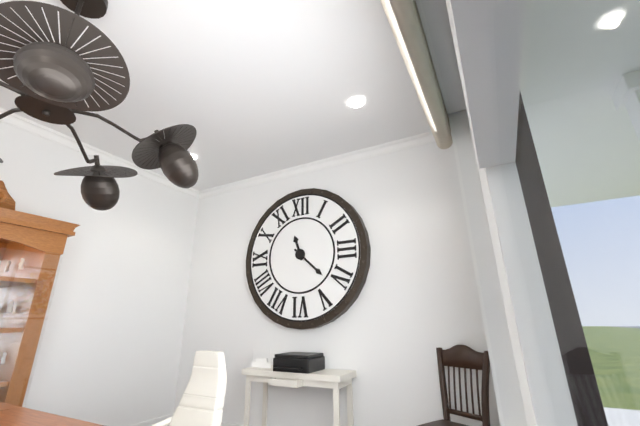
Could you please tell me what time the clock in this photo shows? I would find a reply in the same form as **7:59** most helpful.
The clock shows **11:22**
